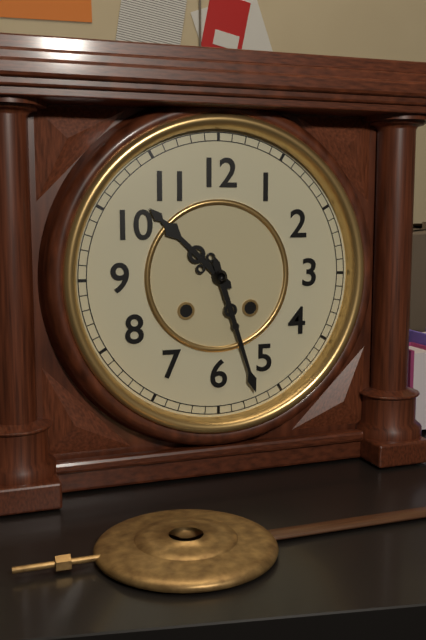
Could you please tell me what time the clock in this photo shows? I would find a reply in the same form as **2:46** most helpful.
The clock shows **10:27**
